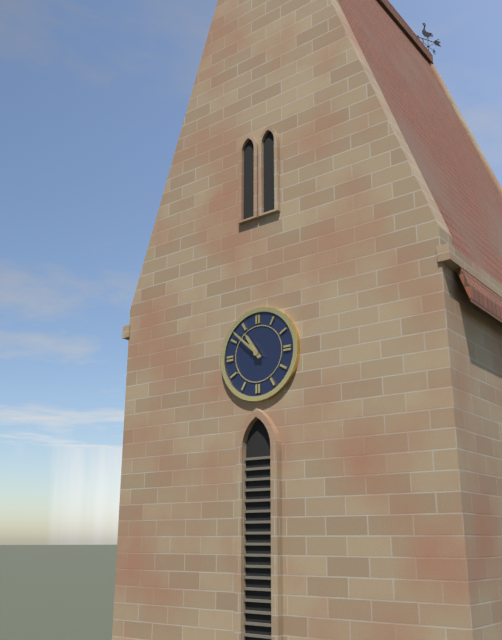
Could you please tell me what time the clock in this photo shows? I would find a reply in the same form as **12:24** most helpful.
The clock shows **10:52**
